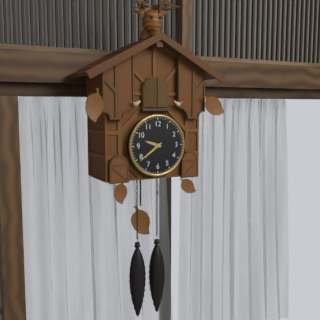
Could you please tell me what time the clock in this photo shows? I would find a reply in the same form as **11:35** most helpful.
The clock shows **9:39**
